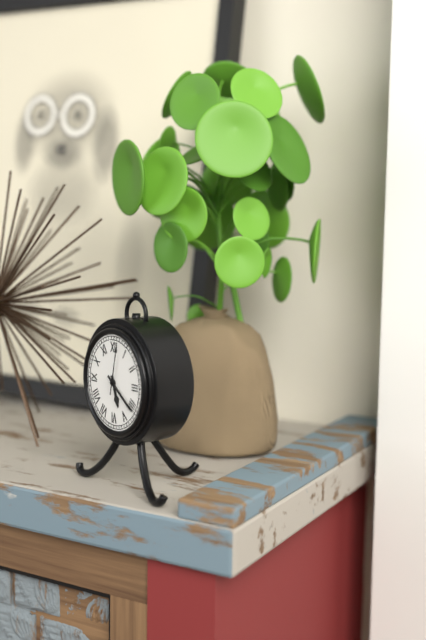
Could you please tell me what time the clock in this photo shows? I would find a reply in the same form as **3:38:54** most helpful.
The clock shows **5:21:02**
